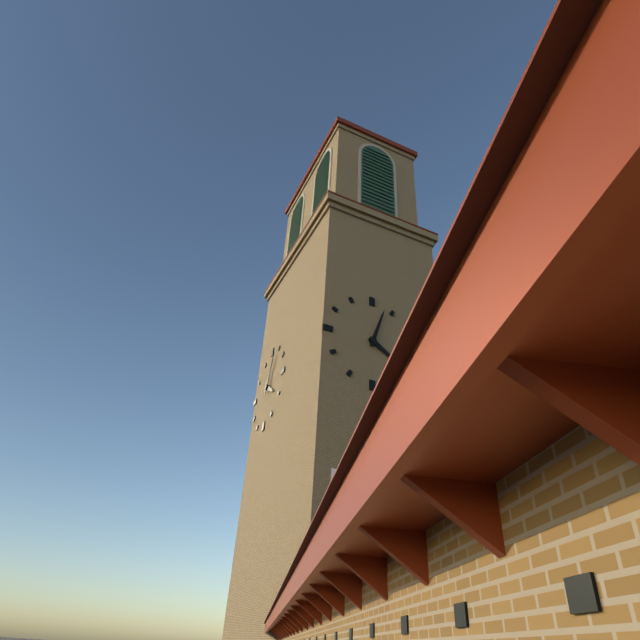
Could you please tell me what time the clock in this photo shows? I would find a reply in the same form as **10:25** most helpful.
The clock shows **4:03**
